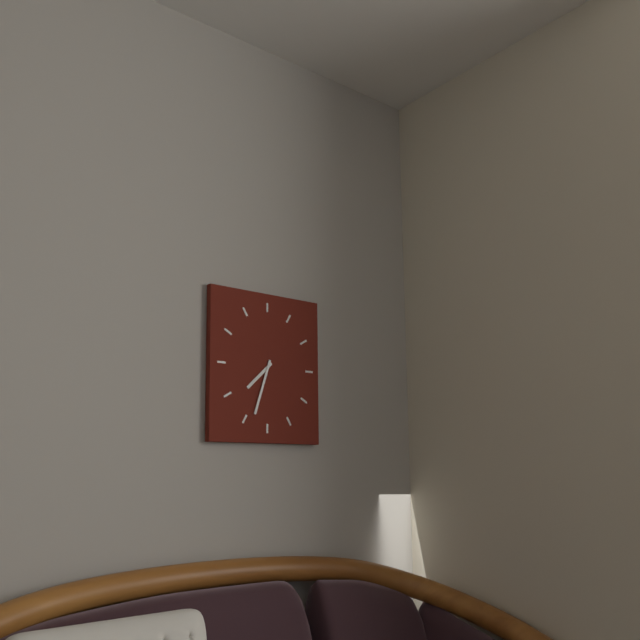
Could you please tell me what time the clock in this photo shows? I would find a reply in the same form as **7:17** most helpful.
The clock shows **7:33**
